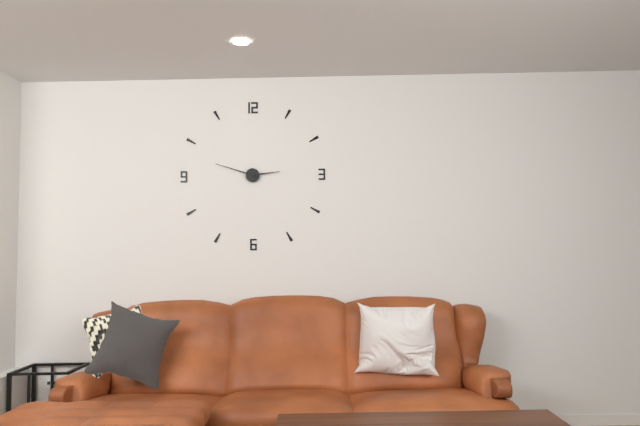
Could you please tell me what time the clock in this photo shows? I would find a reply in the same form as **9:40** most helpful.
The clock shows **2:48**
